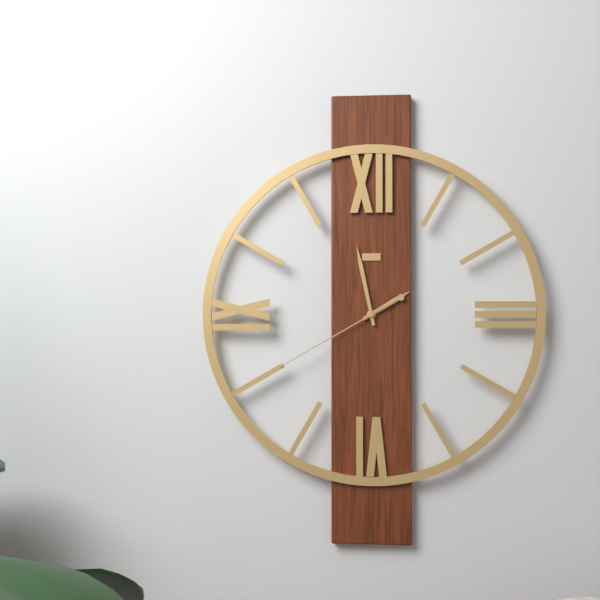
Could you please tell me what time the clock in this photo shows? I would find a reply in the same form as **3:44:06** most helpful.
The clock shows **1:58:40**
